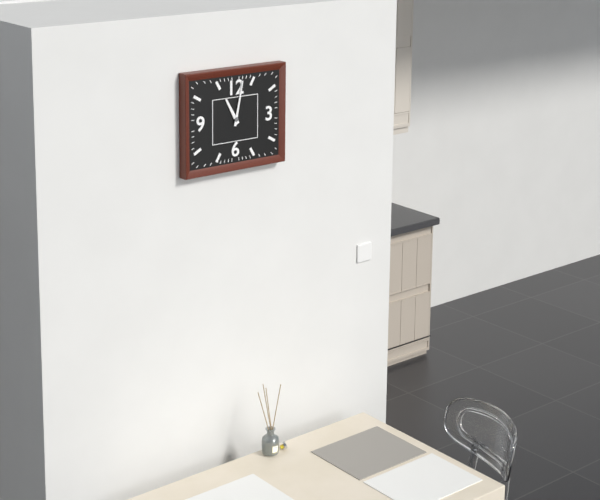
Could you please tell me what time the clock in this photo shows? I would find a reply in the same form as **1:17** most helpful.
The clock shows **11:02**
